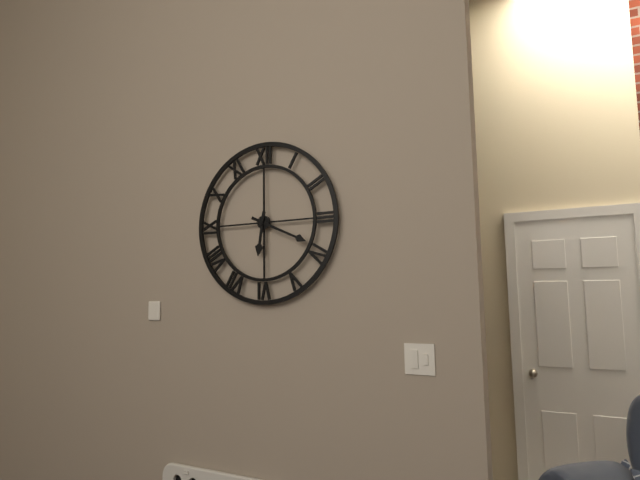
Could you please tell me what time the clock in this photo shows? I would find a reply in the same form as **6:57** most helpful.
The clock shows **6:19**
